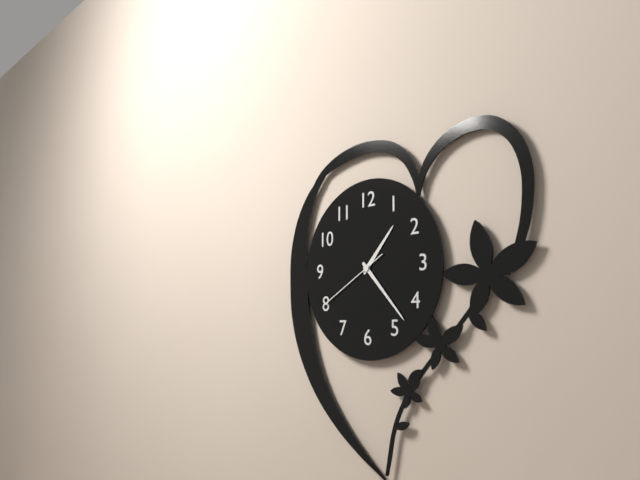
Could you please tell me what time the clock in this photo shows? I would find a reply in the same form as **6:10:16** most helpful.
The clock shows **1:23:40**
